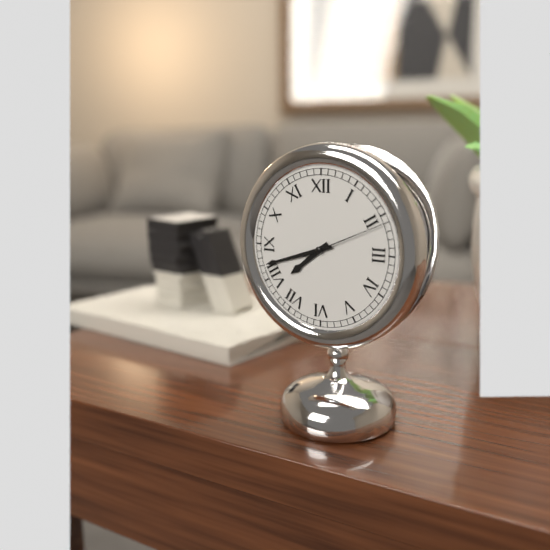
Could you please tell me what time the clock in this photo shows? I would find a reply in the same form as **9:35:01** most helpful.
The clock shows **7:42:11**
